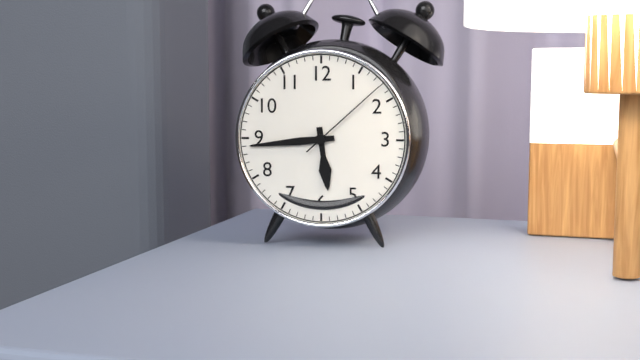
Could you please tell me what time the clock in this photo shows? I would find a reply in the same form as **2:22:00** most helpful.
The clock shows **5:44:08**
